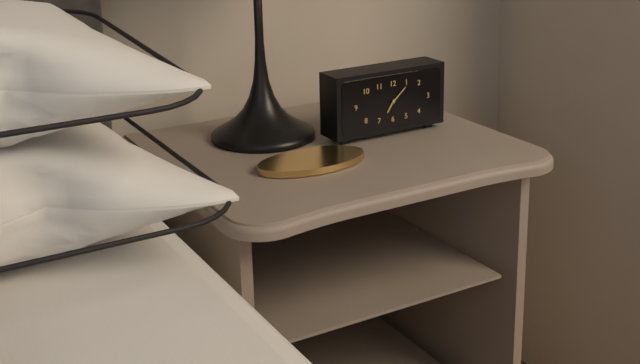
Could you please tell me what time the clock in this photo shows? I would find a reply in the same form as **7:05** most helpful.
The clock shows **7:08**
